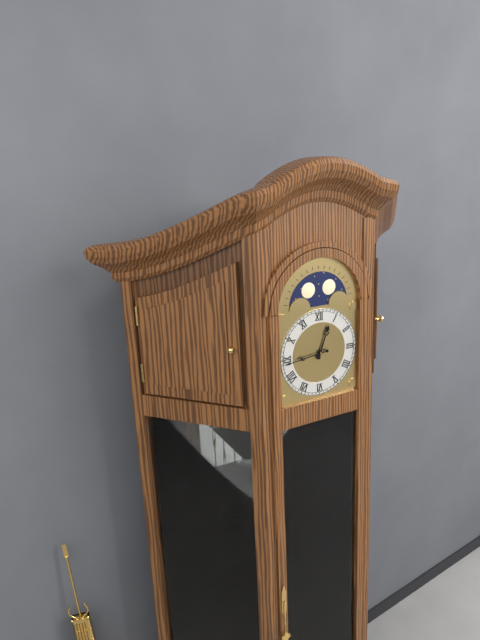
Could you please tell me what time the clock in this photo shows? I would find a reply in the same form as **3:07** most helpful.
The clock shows **12:44**
